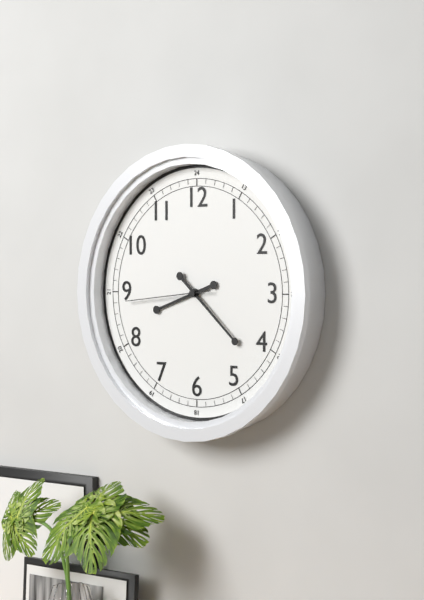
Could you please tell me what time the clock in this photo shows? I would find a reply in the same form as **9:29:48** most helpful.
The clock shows **8:22:44**
